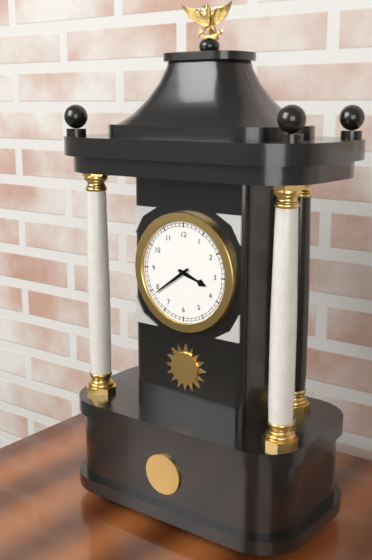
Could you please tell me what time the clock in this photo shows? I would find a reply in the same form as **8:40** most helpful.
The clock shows **3:39**
